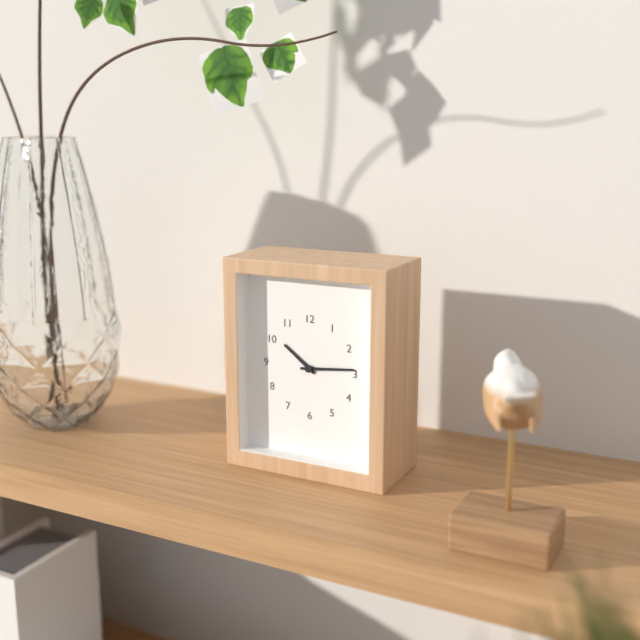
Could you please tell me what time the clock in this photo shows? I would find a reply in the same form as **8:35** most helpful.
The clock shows **10:14**
